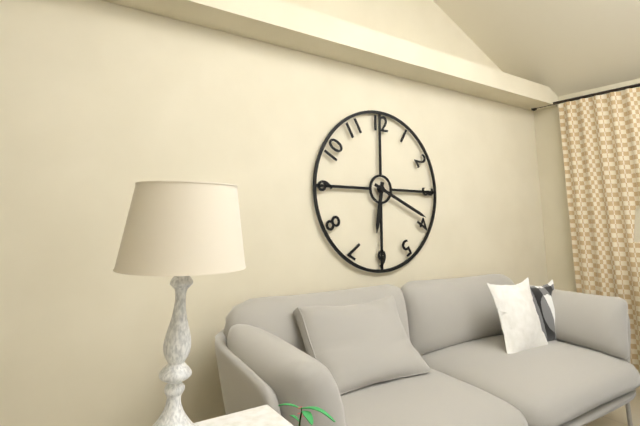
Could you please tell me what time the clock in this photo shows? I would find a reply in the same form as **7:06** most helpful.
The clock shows **6:19**
